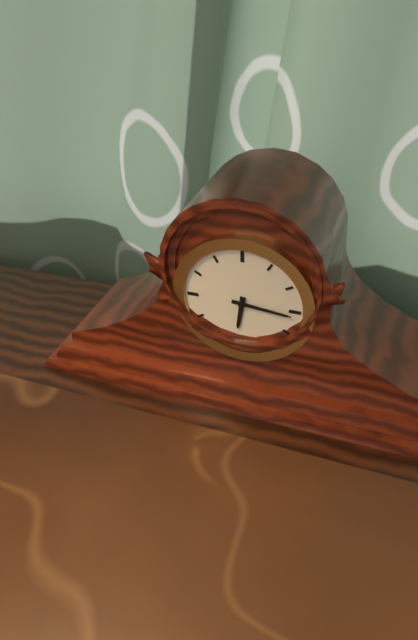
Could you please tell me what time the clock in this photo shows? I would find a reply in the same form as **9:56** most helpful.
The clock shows **6:16**
